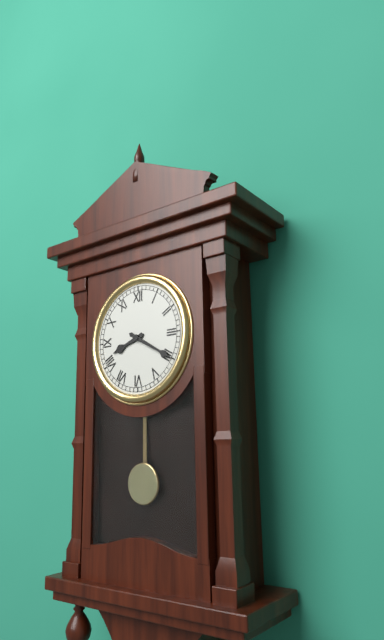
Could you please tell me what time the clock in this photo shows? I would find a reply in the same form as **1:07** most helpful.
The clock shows **8:20**
